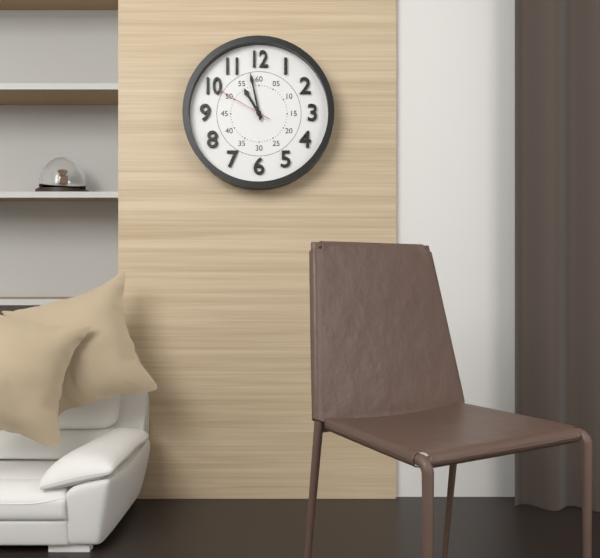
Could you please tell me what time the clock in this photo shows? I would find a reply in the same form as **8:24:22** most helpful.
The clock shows **10:58:50**
